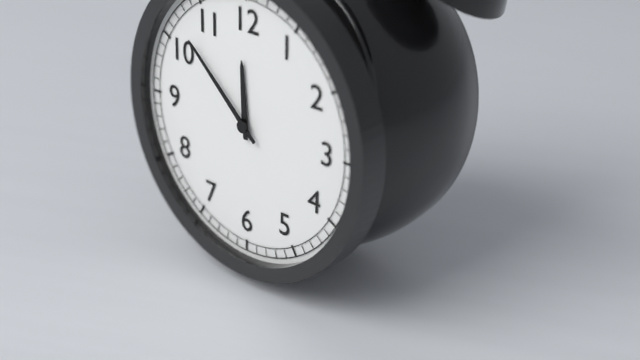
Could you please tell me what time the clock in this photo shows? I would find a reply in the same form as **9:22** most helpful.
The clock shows **11:52**
